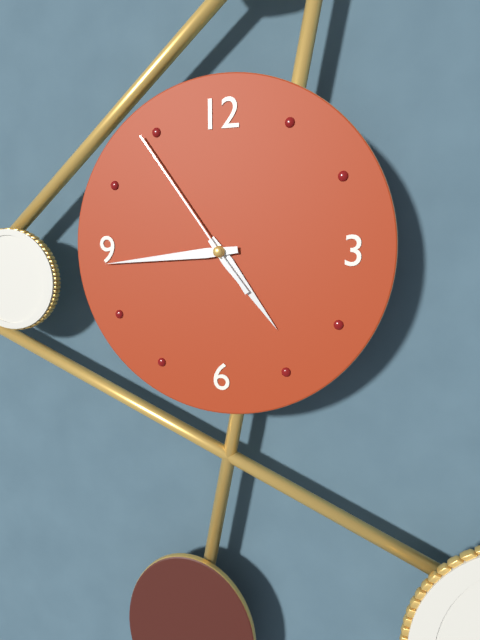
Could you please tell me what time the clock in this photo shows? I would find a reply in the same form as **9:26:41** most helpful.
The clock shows **4:44:54**
